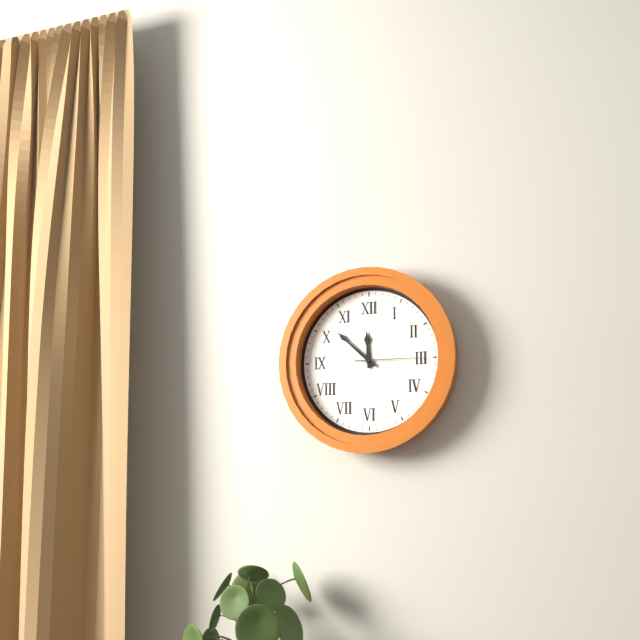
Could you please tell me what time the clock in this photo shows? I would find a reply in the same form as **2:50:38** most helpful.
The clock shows **11:52:15**
